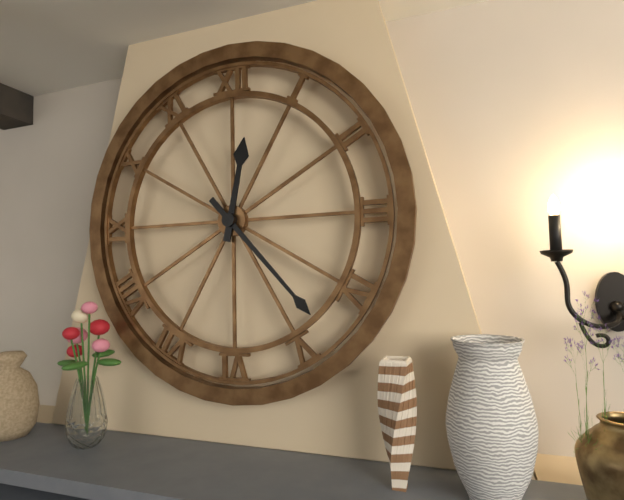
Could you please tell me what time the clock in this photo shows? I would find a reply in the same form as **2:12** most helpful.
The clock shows **12:23**
